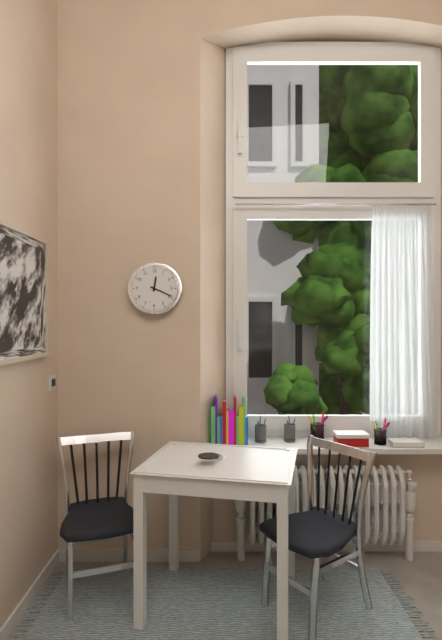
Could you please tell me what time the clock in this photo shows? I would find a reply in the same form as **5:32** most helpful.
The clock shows **12:19**
